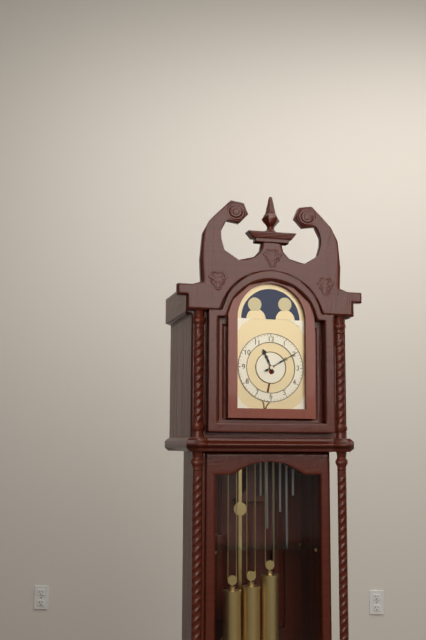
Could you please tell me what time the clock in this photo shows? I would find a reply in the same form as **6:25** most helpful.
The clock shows **11:10**
